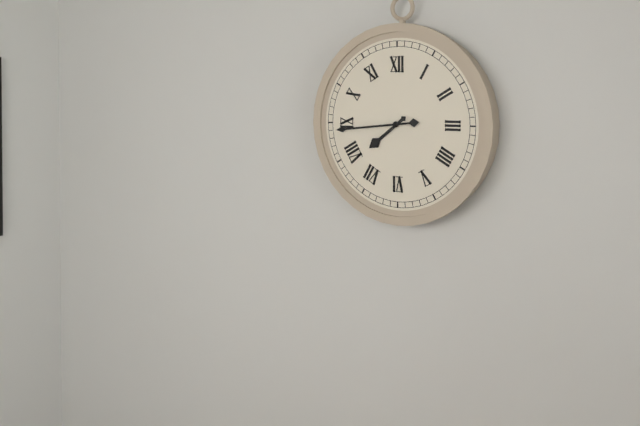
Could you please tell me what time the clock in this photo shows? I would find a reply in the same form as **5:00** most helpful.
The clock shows **7:44**
